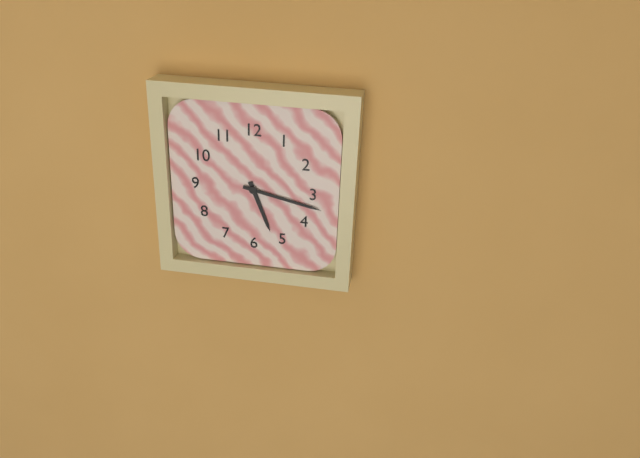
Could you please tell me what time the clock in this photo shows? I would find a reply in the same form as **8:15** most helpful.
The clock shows **5:17**
